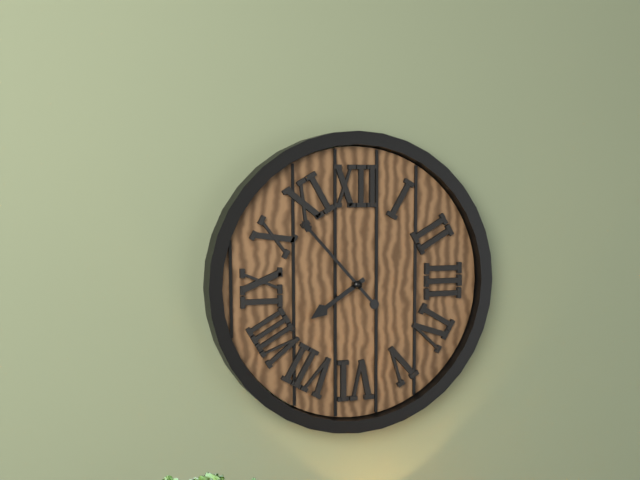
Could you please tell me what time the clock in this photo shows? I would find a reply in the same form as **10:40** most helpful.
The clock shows **7:53**
